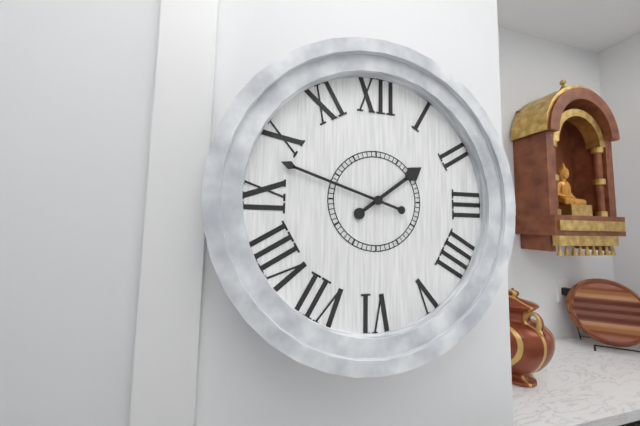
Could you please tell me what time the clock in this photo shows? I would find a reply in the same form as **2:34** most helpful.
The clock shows **1:48**
